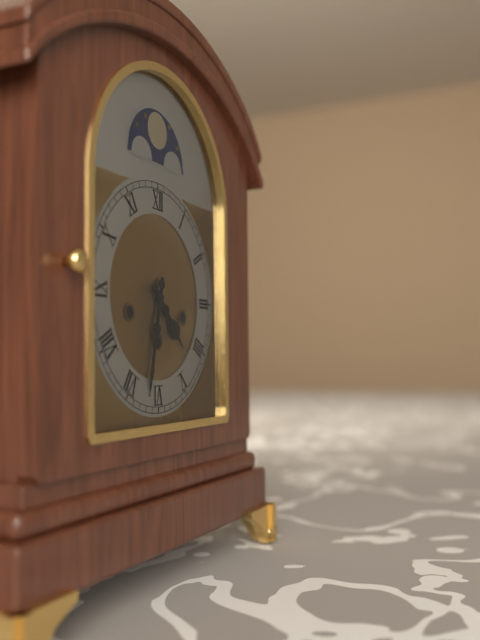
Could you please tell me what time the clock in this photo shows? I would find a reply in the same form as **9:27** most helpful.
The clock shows **4:32**
